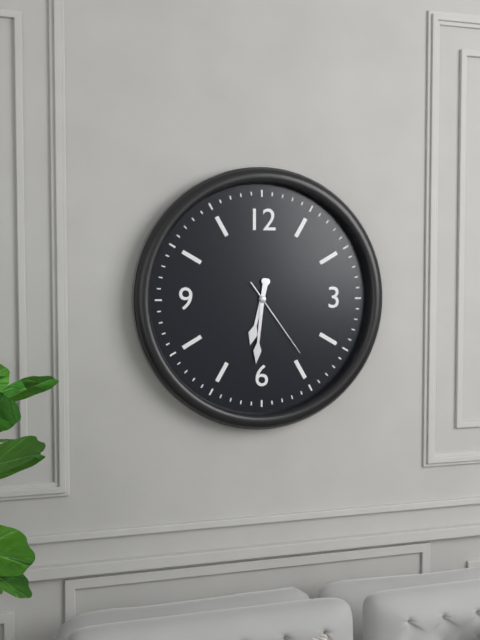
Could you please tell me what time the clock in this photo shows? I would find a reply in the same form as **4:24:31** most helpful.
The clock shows **6:31:24**
